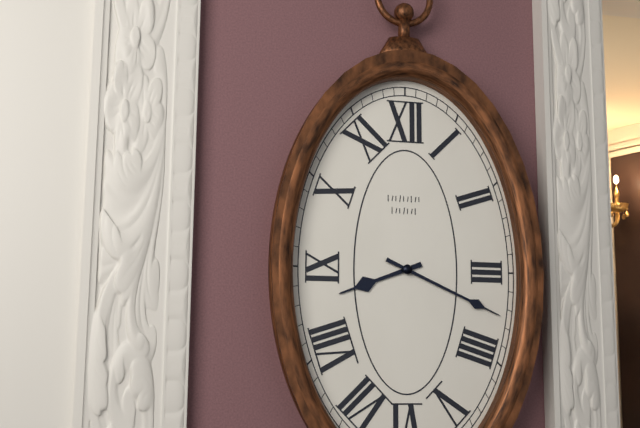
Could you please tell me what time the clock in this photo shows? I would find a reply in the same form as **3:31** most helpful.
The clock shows **8:19**
